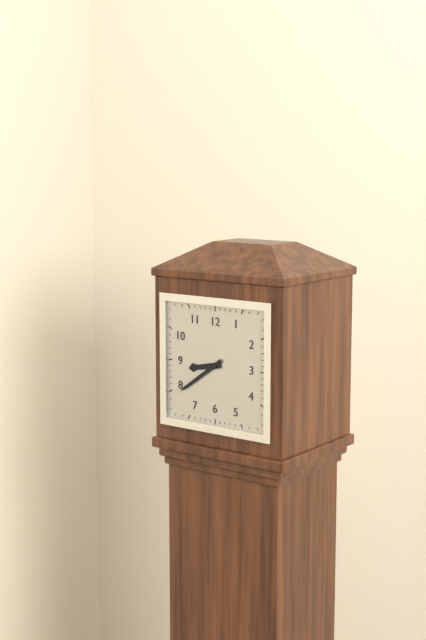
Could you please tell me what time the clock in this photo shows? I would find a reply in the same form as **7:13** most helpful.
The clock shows **8:39**
